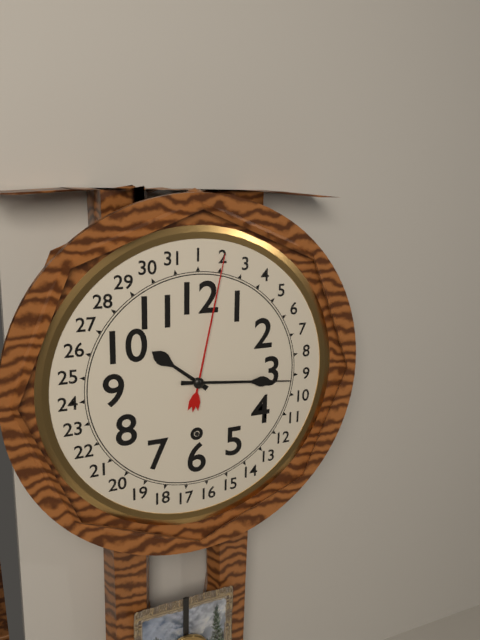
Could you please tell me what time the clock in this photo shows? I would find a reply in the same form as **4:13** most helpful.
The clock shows **10:16**
